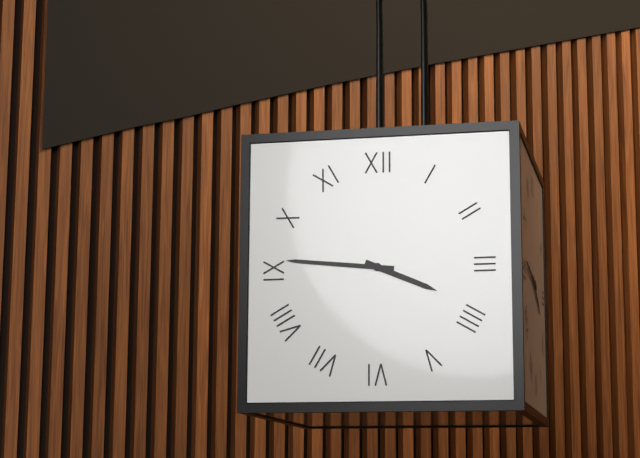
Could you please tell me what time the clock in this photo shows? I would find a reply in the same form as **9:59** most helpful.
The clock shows **3:46**
